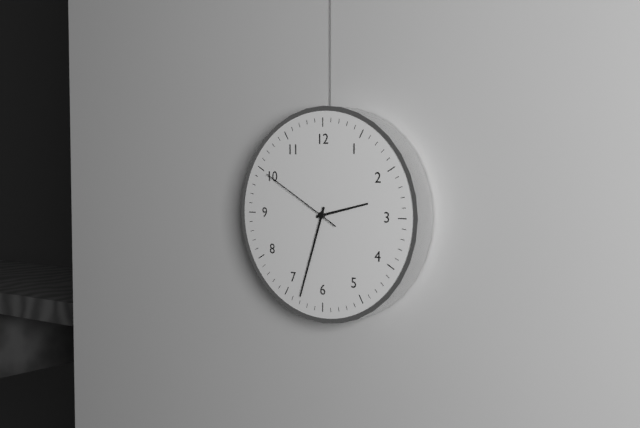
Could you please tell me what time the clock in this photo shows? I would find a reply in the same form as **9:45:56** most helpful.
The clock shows **2:33:50**
